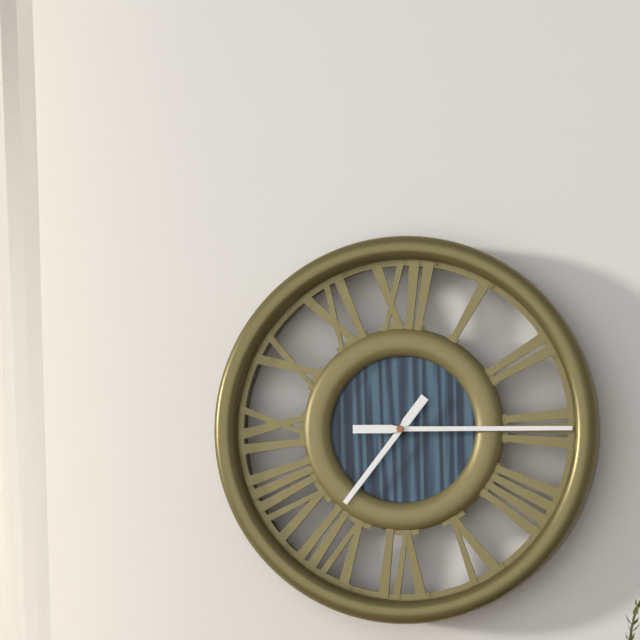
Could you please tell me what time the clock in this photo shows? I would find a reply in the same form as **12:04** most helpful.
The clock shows **7:15**
